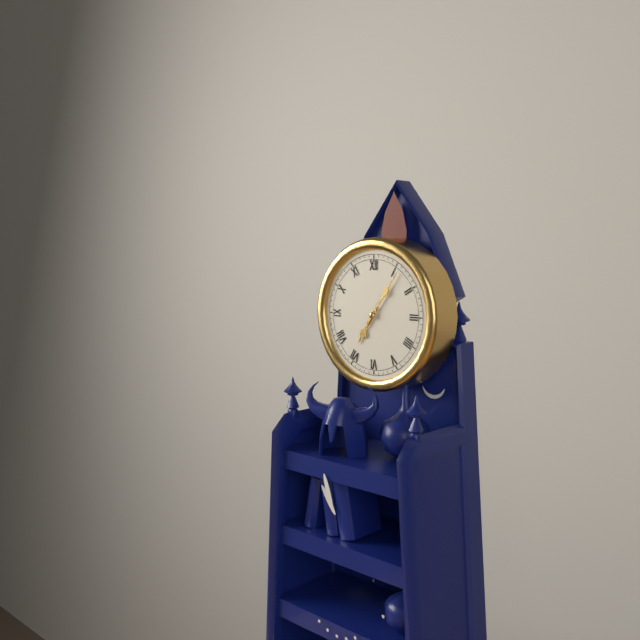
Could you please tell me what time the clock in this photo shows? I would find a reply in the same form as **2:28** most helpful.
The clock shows **7:06**
